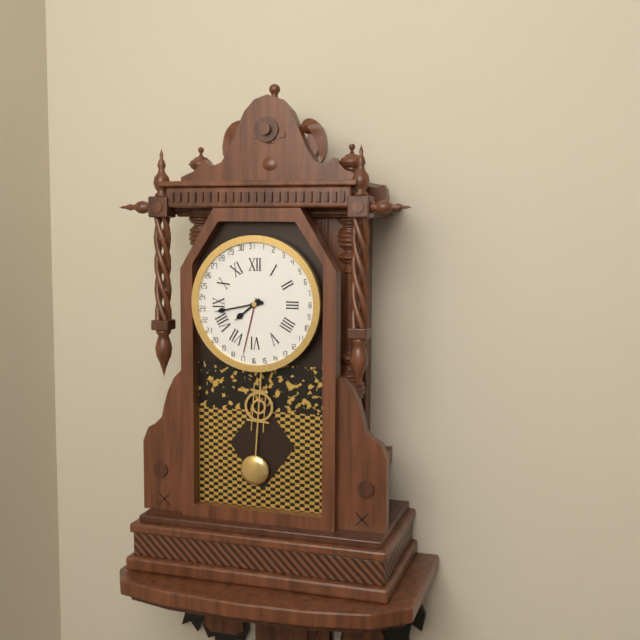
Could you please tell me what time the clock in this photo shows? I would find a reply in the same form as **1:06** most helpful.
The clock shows **7:43**
